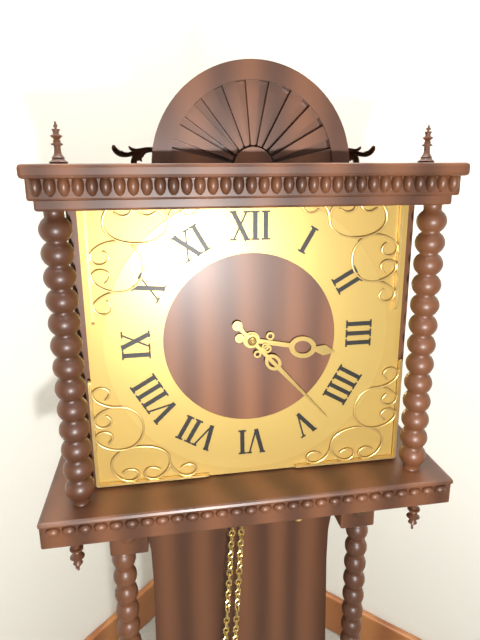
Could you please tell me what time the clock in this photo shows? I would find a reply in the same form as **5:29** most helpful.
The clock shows **3:23**
